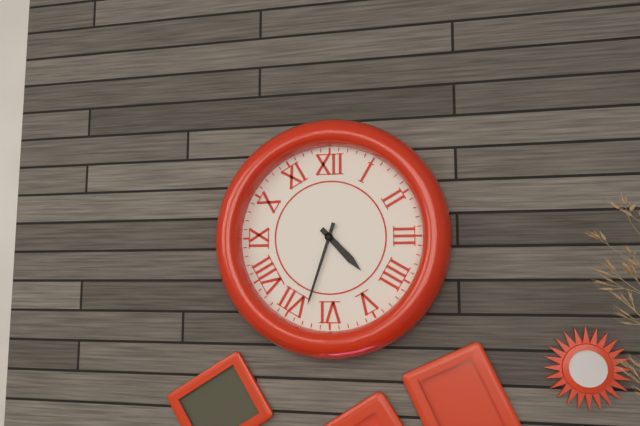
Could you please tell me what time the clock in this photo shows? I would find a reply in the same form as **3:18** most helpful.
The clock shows **4:33**
